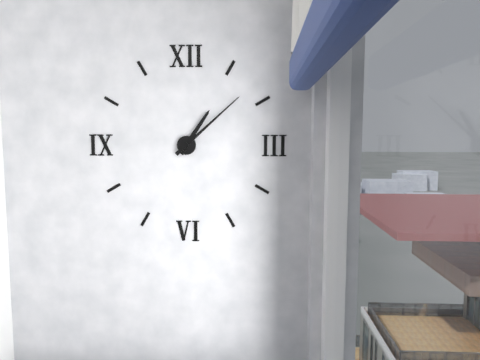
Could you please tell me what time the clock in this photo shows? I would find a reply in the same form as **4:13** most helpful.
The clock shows **1:08**
